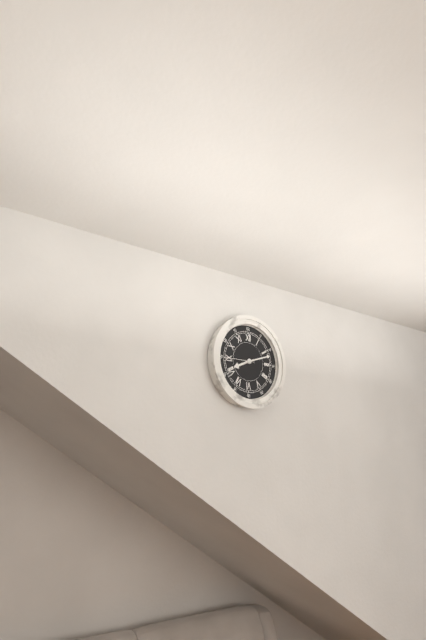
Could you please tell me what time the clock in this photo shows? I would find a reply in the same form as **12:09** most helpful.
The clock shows **8:12**
